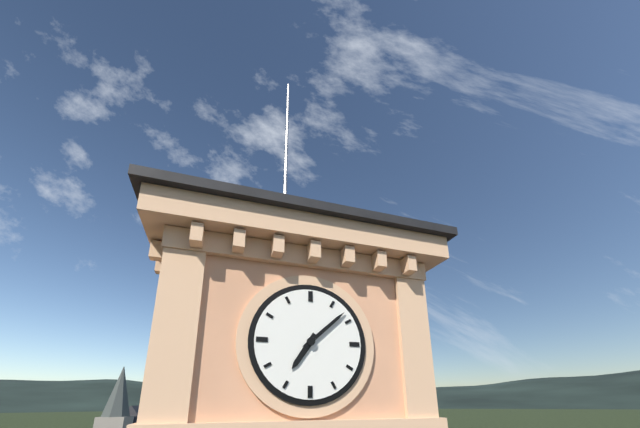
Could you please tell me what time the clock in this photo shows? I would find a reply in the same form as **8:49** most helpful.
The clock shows **7:08**
